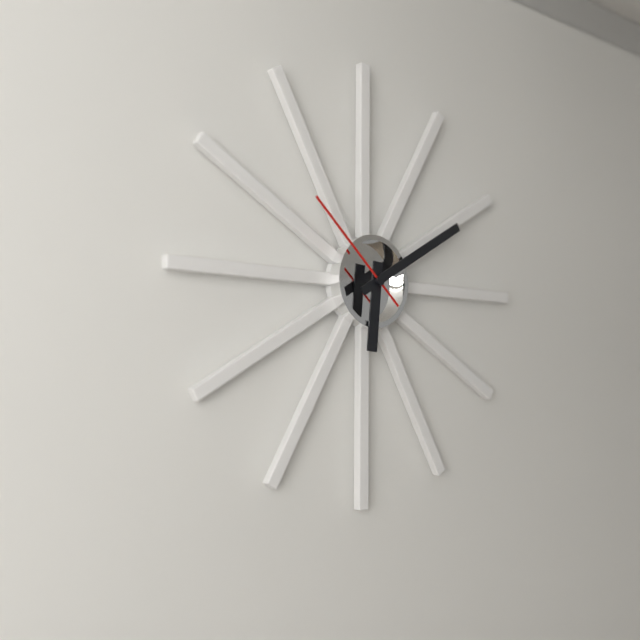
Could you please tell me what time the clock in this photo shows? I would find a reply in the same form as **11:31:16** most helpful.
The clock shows **6:10:52**
